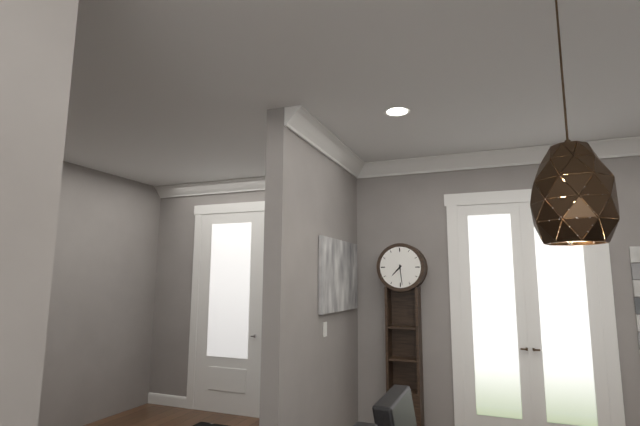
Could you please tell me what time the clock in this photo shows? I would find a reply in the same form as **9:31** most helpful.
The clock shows **7:29**
